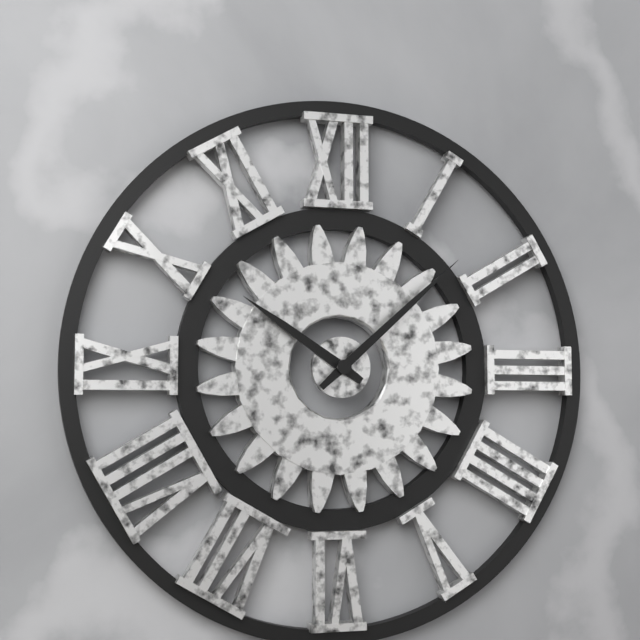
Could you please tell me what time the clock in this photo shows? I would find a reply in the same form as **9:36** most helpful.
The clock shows **10:08**
